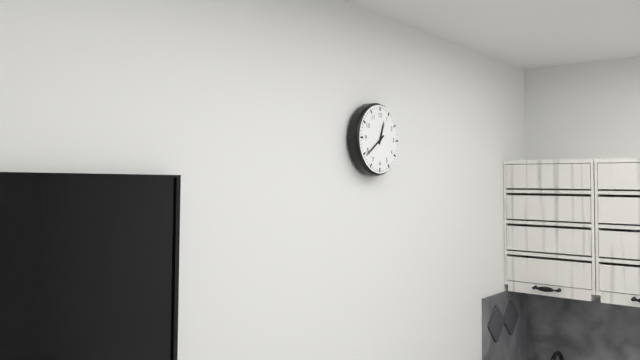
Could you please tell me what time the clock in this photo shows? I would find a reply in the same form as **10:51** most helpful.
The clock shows **12:39**
